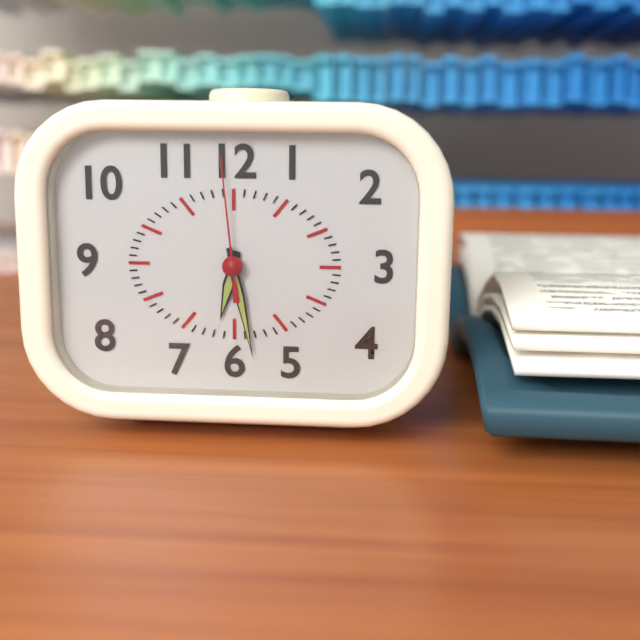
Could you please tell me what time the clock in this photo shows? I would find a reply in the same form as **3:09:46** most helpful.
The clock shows **6:28:59**
